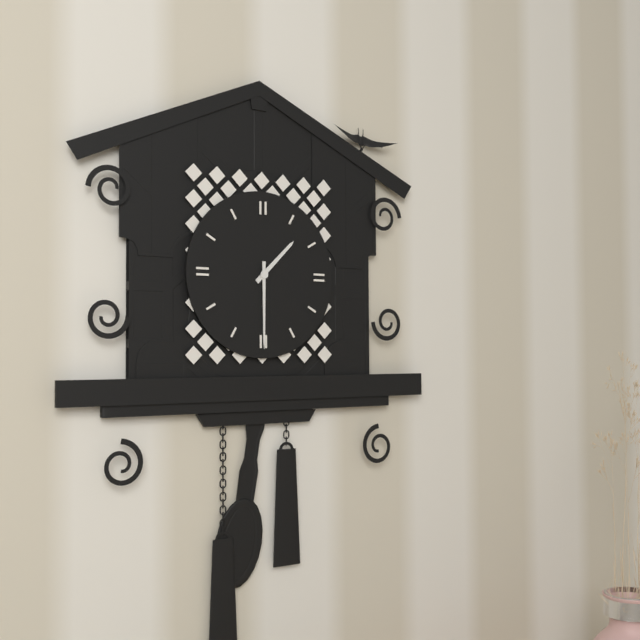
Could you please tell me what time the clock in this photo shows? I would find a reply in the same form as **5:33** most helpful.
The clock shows **1:30**
